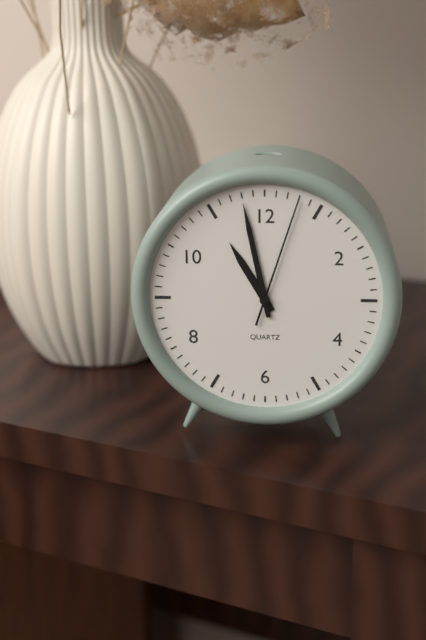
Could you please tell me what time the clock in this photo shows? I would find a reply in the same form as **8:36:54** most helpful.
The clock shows **10:58:03**
